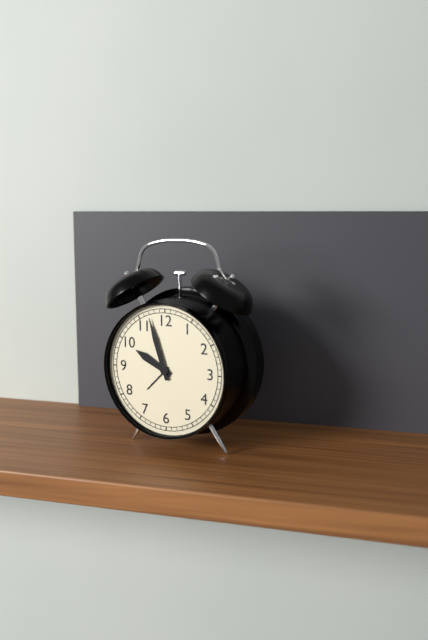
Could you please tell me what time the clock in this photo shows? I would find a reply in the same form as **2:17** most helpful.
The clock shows **9:57**
